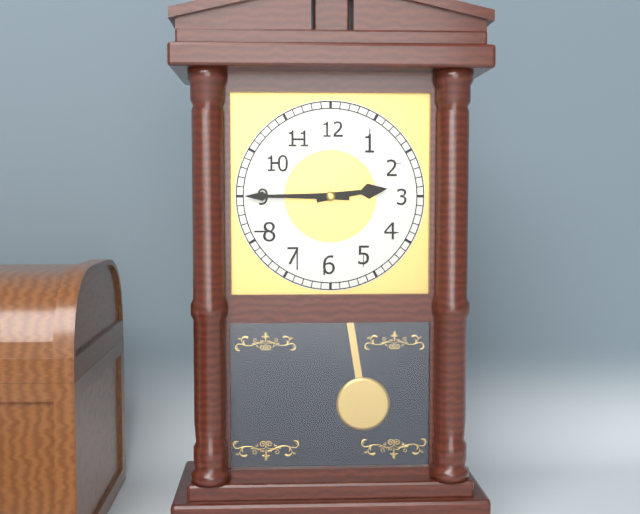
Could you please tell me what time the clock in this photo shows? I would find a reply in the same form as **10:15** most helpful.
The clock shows **2:45**
